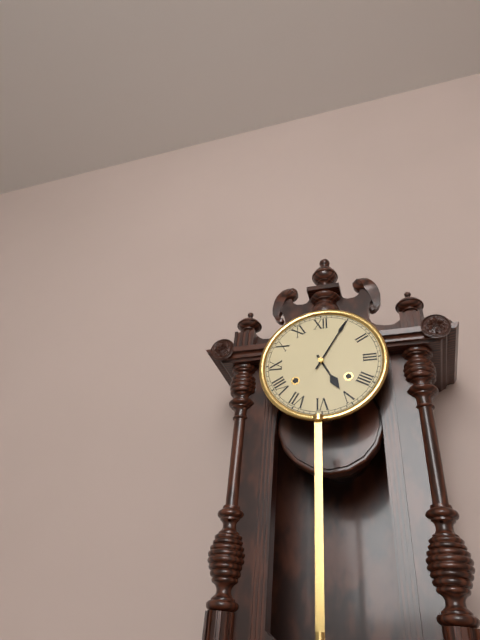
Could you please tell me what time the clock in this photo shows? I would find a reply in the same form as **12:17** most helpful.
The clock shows **5:05**
